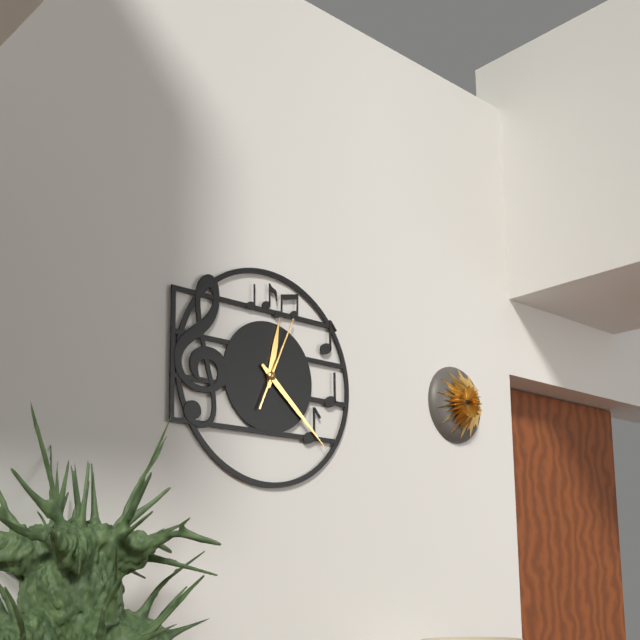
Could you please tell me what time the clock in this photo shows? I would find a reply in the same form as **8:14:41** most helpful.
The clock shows **12:22:04**
